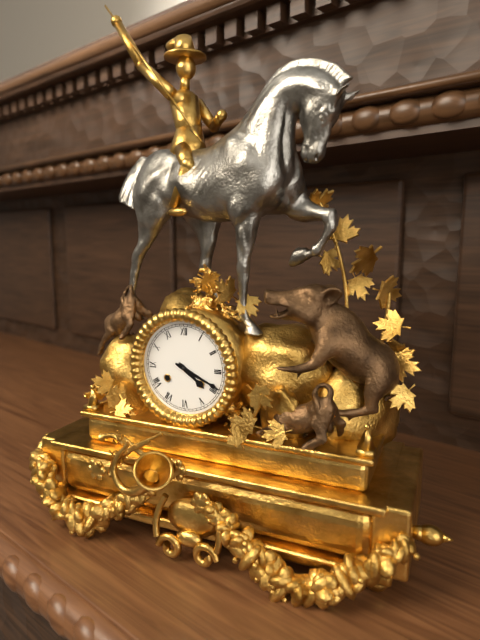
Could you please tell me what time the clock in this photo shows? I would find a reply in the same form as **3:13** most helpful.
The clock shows **4:19**
